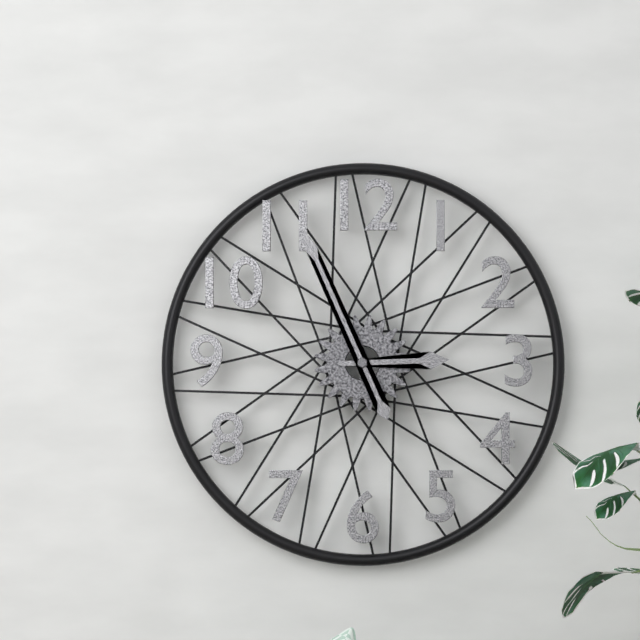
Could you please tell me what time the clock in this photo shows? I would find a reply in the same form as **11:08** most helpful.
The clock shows **2:56**
